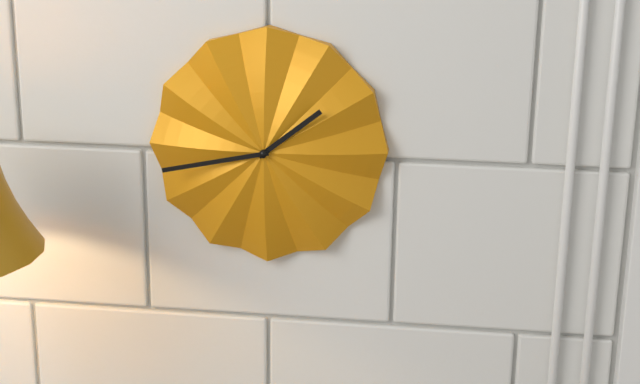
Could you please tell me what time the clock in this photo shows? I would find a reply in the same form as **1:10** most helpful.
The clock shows **1:43**
